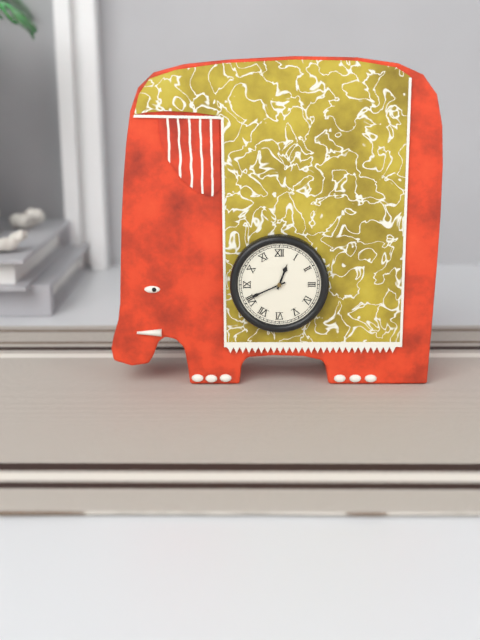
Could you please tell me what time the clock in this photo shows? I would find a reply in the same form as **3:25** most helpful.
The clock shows **12:41**
